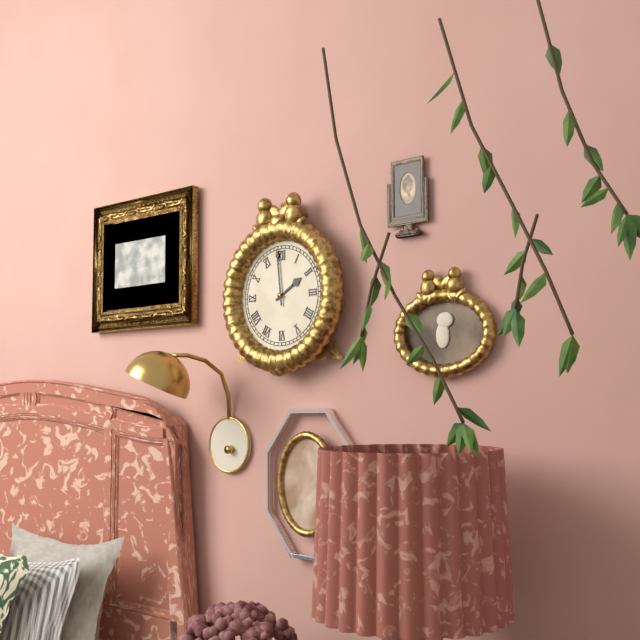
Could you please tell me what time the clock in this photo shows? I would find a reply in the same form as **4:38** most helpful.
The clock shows **1:59**
